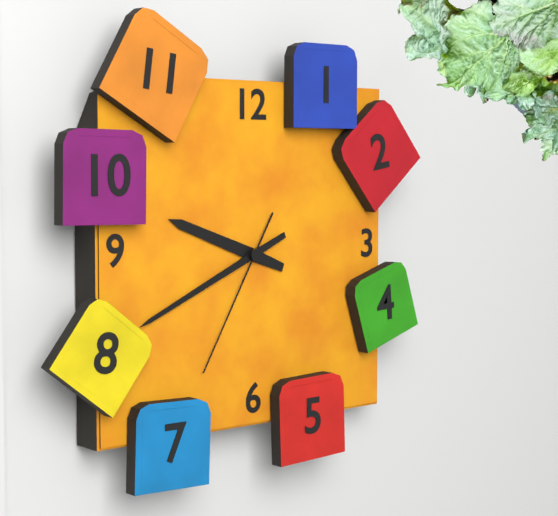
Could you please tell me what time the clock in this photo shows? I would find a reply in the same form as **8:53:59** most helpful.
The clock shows **9:41:35**
